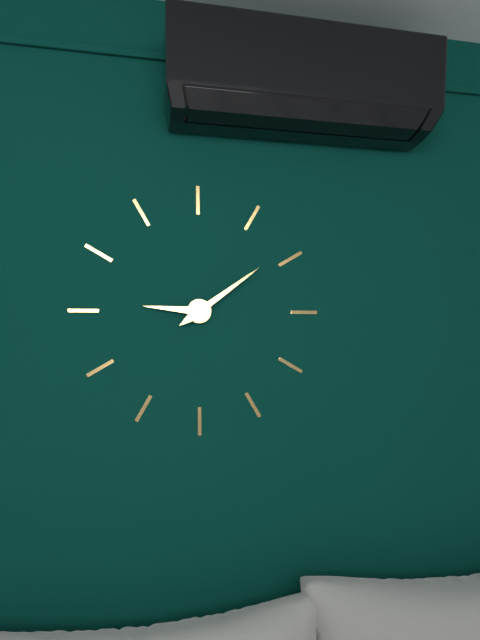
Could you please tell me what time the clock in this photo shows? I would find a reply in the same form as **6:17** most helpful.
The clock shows **9:09**
